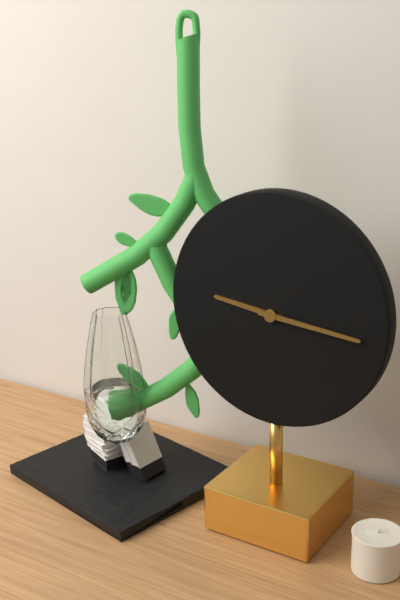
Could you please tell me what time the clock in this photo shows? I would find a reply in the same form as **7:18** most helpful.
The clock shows **9:16**
